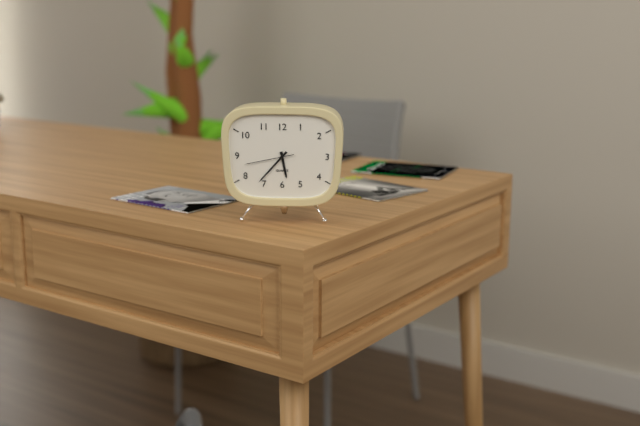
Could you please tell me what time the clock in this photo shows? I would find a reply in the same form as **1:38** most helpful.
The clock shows **5:37**
